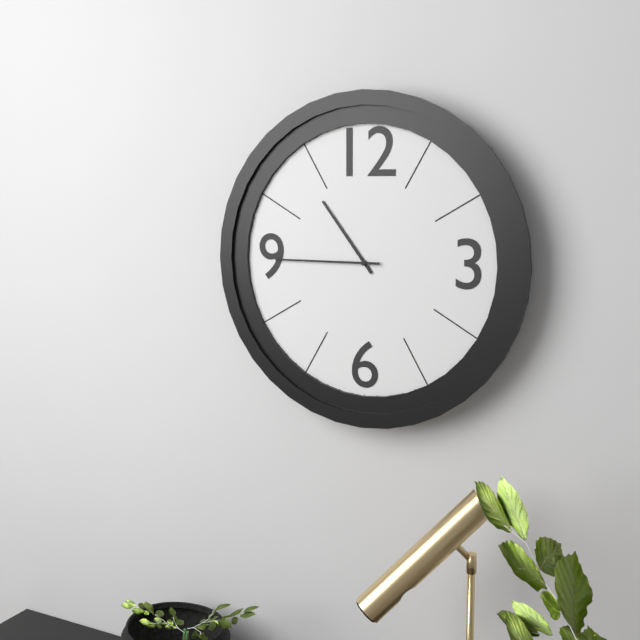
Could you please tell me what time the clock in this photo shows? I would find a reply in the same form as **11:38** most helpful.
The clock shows **10:45**
